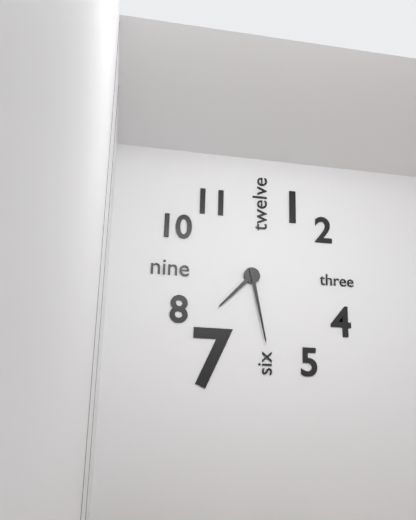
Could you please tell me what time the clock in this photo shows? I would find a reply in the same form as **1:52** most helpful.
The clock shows **7:28**
